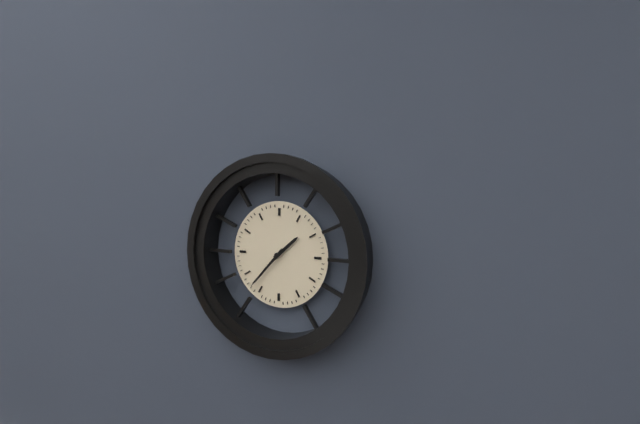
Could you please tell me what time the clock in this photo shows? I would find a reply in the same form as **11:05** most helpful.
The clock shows **1:37**
